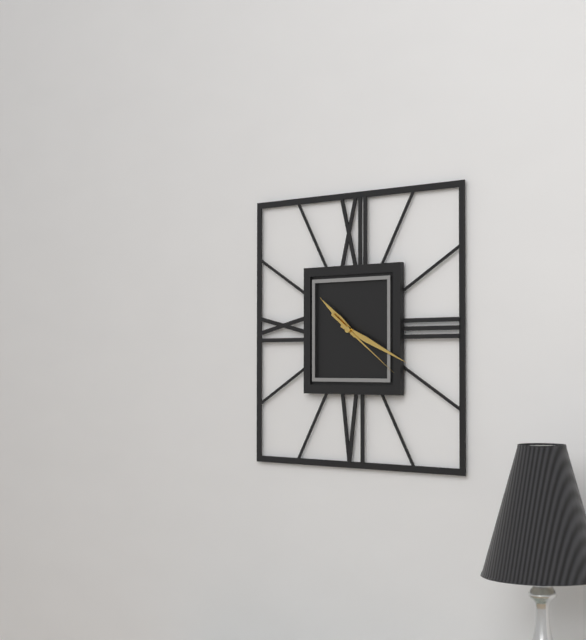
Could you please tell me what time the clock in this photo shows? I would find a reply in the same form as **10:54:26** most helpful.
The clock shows **10:19:21**
